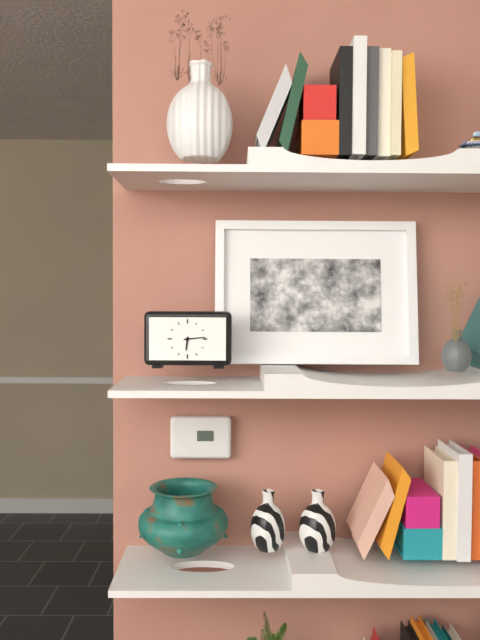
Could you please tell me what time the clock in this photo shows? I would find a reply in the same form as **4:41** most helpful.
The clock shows **6:14**
